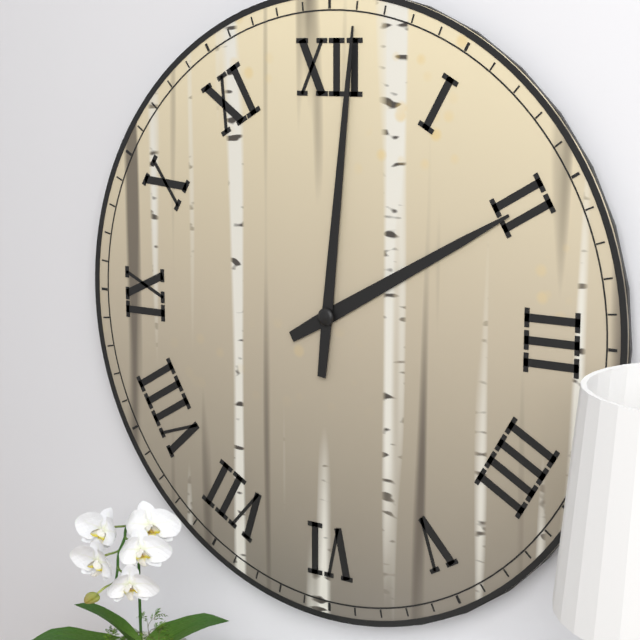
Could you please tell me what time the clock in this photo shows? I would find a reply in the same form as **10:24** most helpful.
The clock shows **2:01**
